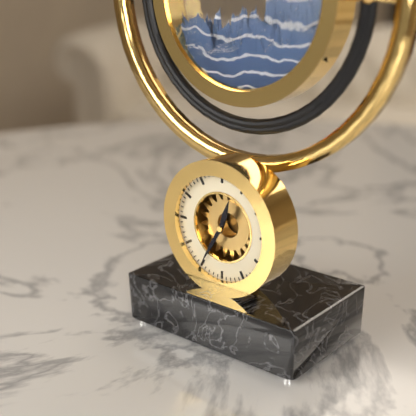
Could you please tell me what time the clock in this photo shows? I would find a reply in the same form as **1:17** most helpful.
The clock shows **12:35**
